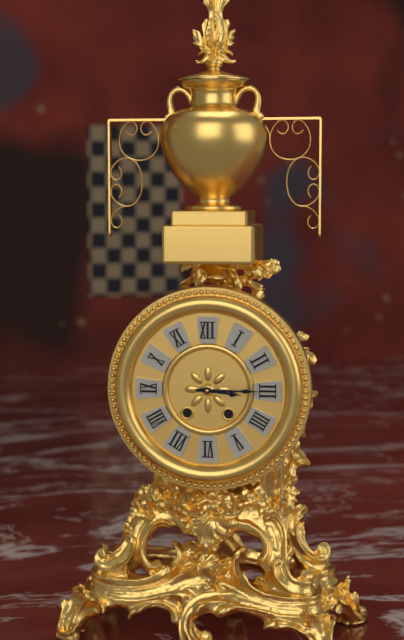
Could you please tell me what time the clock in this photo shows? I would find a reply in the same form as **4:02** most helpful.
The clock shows **3:15**
